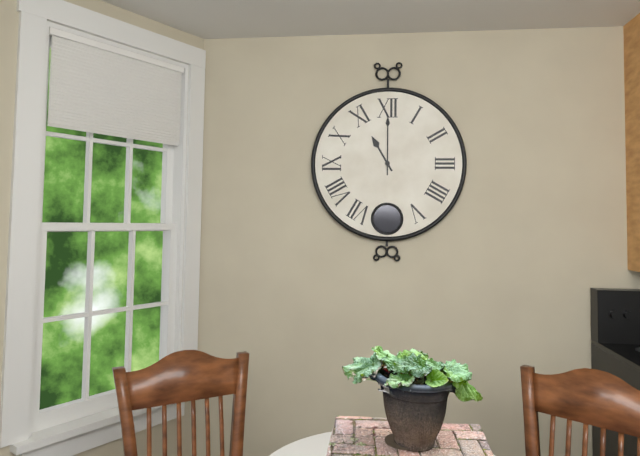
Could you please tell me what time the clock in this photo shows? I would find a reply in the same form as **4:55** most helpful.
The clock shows **11:00**
